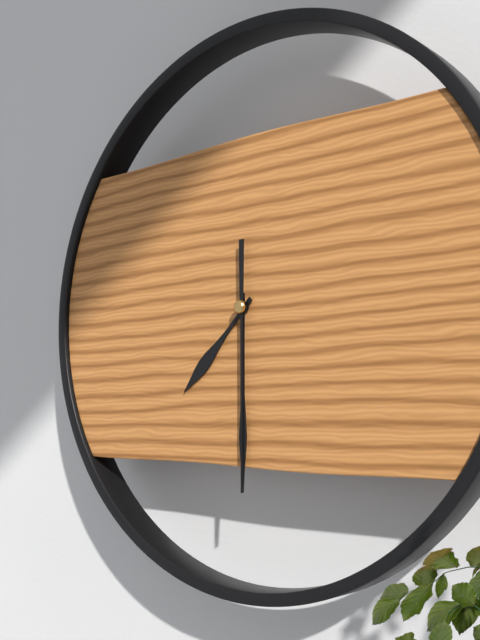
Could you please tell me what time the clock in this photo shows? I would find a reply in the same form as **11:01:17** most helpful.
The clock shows **7:30:30**
